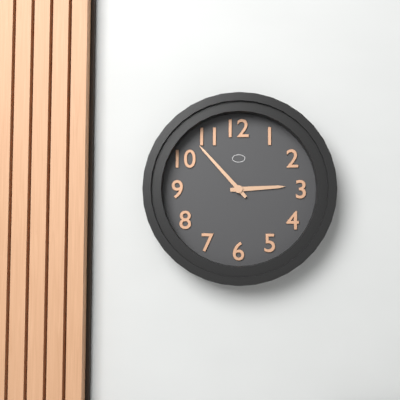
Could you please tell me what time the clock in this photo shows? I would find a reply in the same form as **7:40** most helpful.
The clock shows **2:53**
